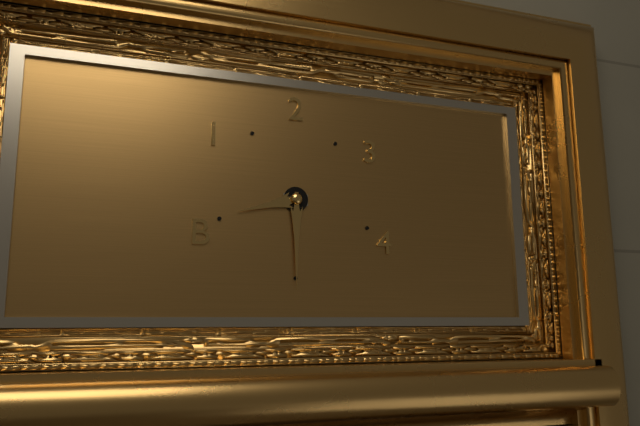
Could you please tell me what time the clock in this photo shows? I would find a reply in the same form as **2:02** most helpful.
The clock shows **8:30**
